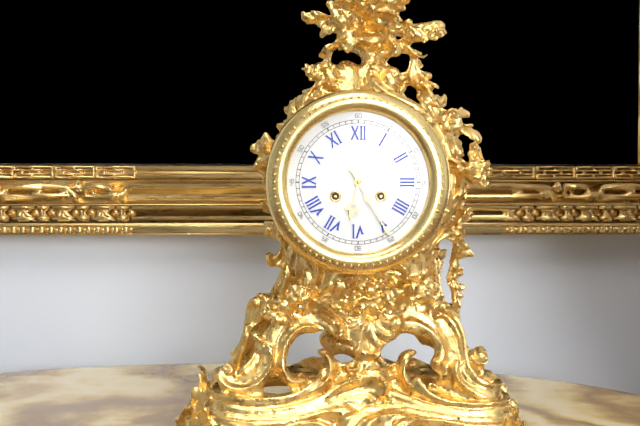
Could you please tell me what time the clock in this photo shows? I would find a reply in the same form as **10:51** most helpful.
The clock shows **6:25**
